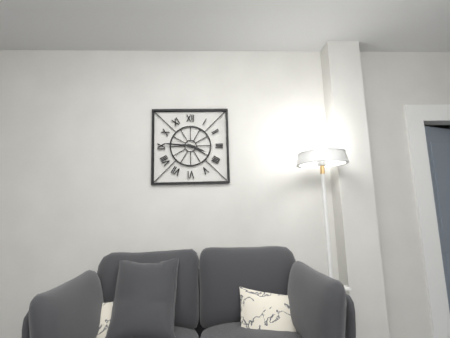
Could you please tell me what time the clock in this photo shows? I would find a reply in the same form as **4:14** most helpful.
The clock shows **3:46**
